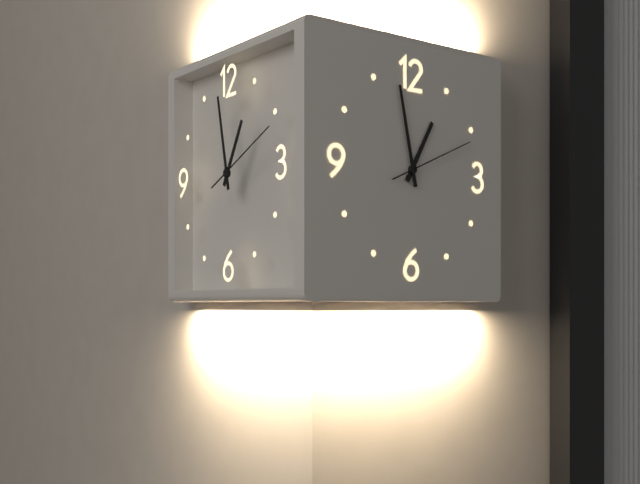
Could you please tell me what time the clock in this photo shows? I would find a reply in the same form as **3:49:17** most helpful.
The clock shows **12:58:11**
